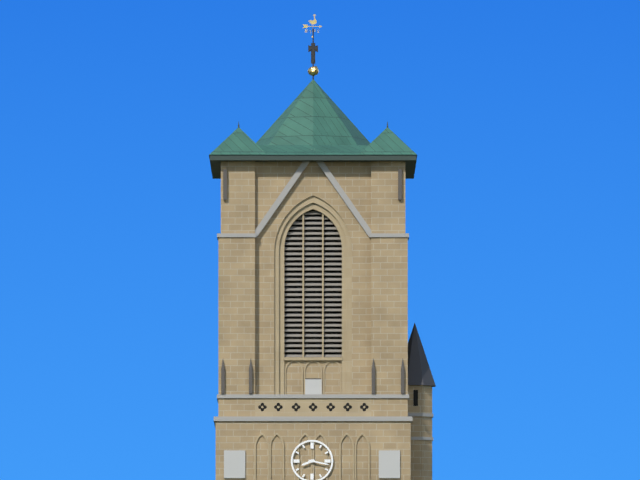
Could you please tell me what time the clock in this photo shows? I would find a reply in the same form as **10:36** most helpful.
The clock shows **8:17**
